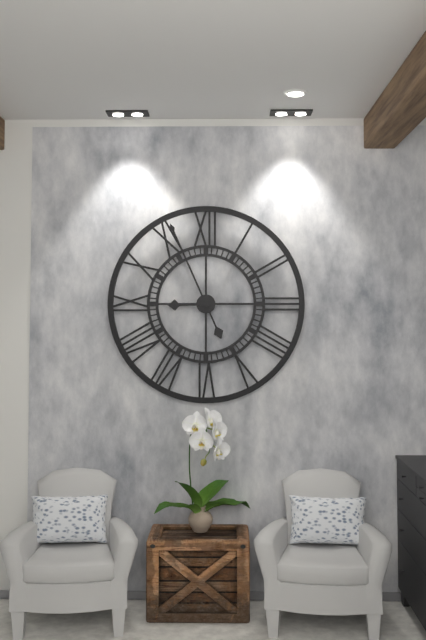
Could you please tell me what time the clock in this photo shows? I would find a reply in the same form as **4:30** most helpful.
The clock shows **8:56**
